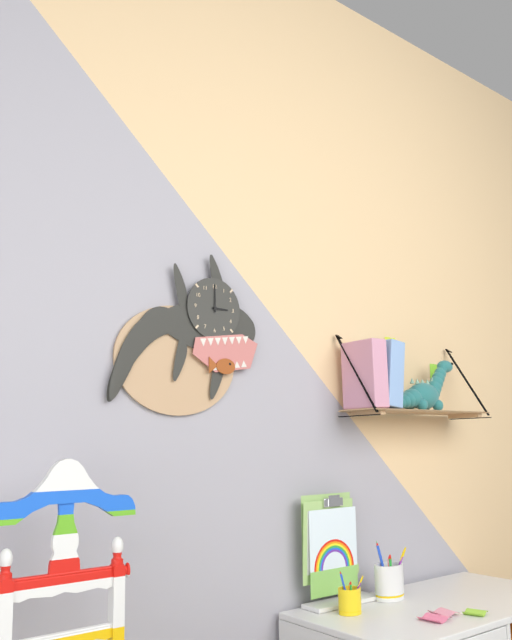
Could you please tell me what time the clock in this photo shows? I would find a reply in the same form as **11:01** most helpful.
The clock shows **3:00**
